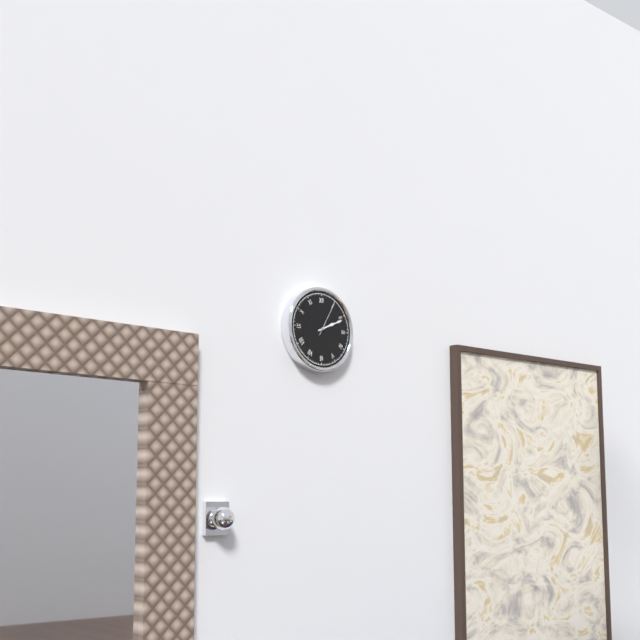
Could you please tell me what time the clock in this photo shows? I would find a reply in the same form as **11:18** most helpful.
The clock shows **2:11**
